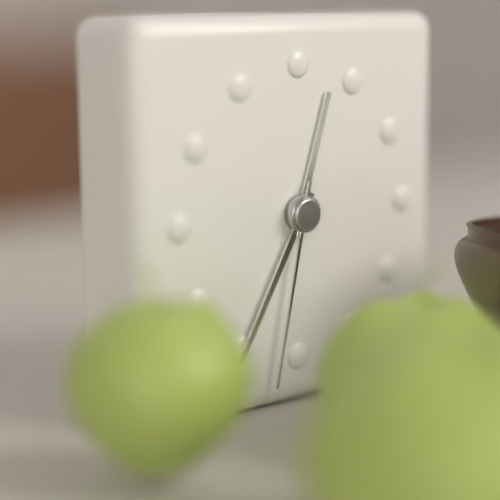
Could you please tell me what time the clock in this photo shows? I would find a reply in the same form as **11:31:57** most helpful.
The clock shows **12:35:32**
